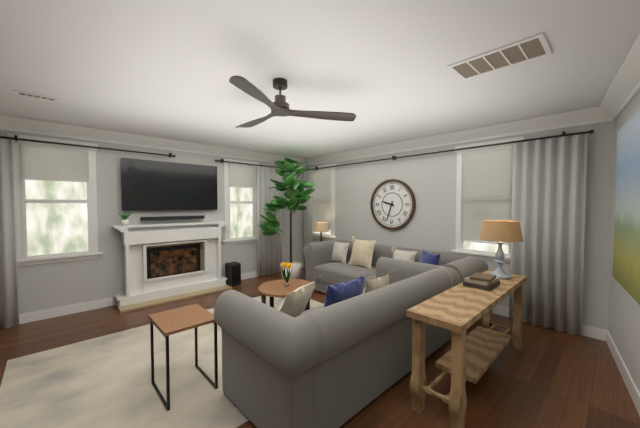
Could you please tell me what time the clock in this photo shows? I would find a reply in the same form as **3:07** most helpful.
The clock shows **9:33**
